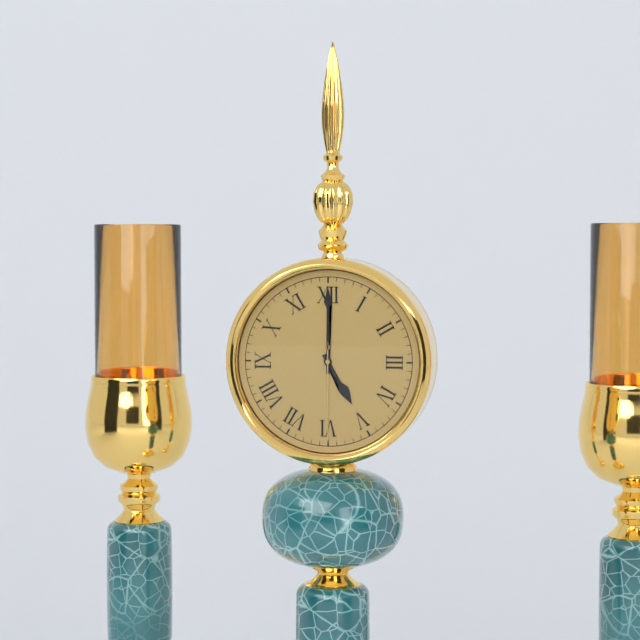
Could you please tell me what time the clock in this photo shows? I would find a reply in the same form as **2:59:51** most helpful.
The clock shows **5:00:30**
